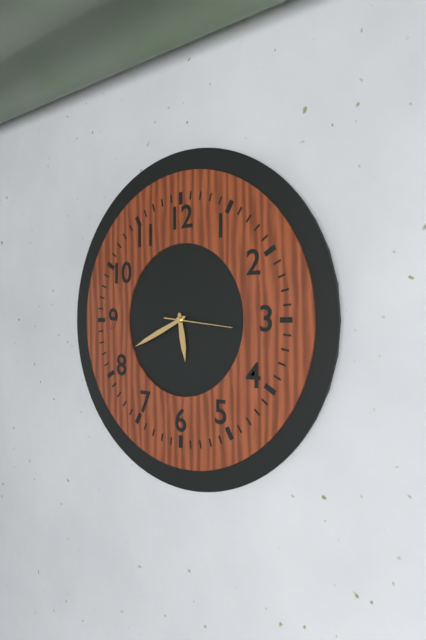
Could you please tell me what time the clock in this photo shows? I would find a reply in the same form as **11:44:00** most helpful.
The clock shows **5:41:16**
